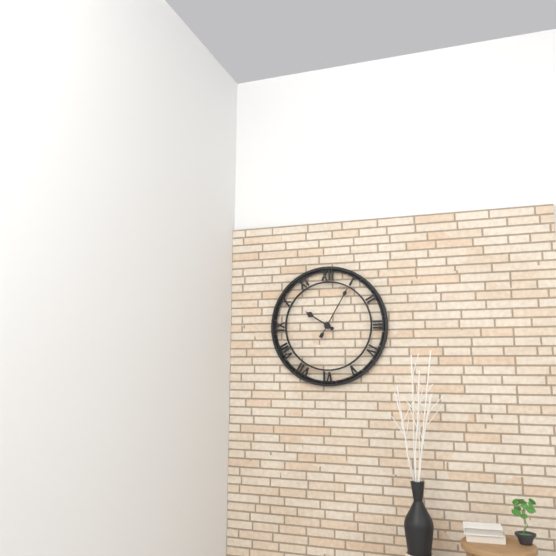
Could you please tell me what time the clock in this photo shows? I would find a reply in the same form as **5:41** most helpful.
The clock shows **10:05**
